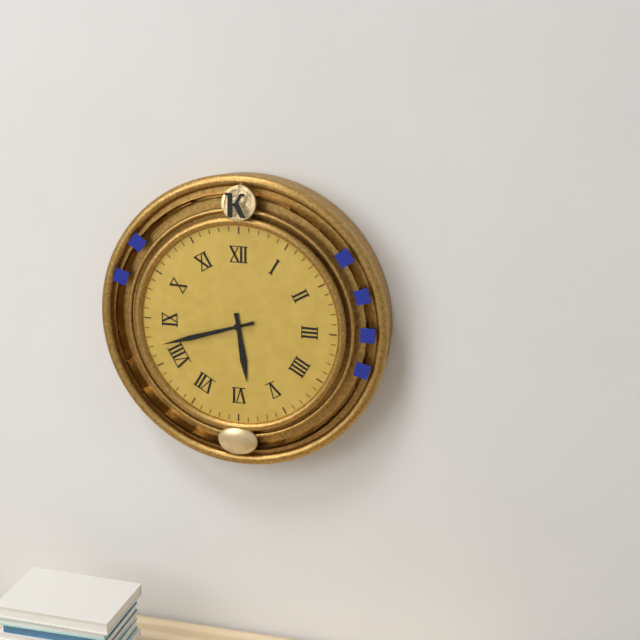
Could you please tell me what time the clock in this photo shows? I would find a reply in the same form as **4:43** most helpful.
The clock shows **5:42**
